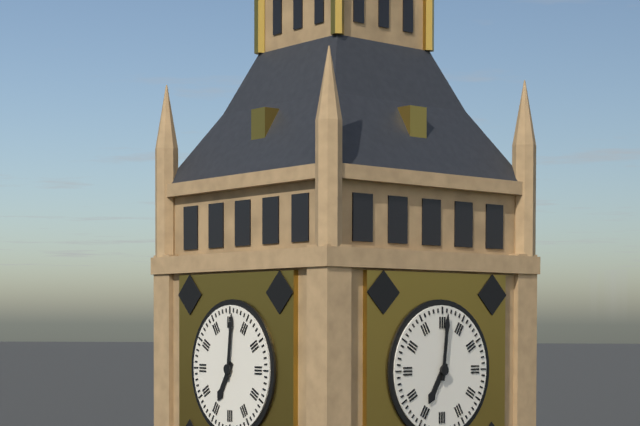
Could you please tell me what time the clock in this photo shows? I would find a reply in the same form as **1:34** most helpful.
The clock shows **7:01**
